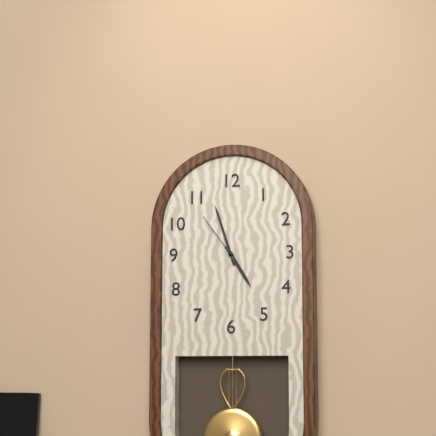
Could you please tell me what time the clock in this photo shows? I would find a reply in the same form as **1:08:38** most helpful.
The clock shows **4:57:54**
